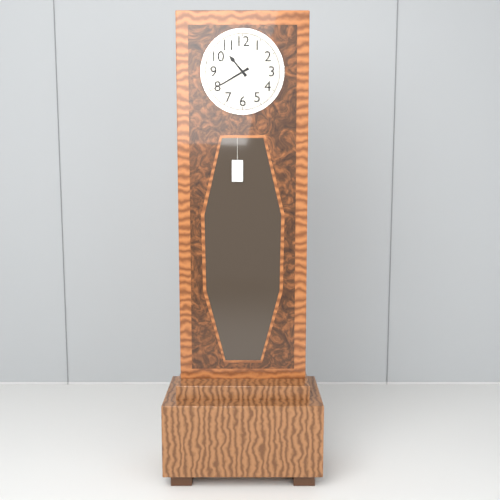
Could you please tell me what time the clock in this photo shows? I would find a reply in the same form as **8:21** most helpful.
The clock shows **10:40**
